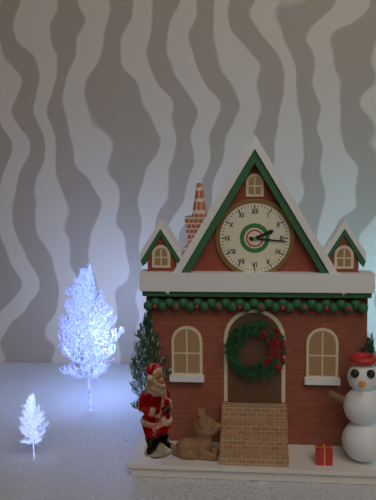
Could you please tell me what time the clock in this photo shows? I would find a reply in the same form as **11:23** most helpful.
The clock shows **2:16**
